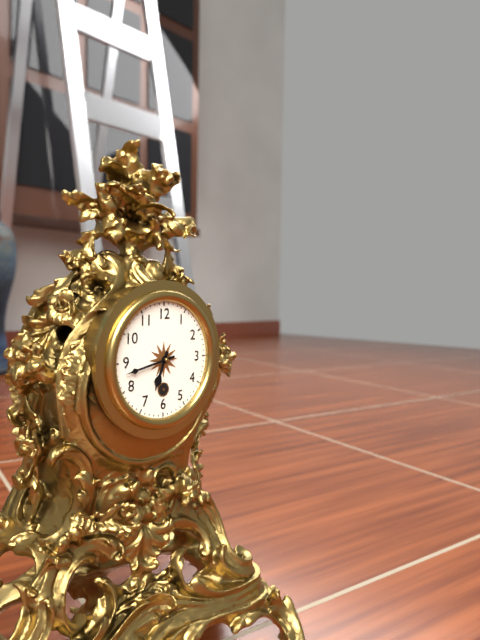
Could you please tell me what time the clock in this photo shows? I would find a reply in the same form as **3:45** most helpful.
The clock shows **6:43**
